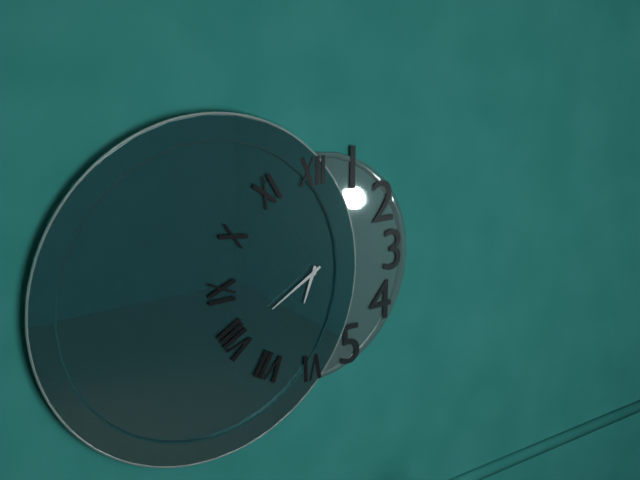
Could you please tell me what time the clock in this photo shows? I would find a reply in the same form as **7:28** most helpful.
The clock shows **6:40**
